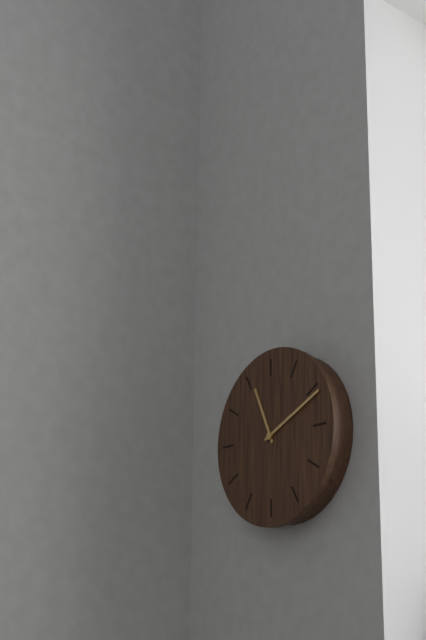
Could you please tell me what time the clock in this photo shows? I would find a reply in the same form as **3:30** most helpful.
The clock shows **11:11**
